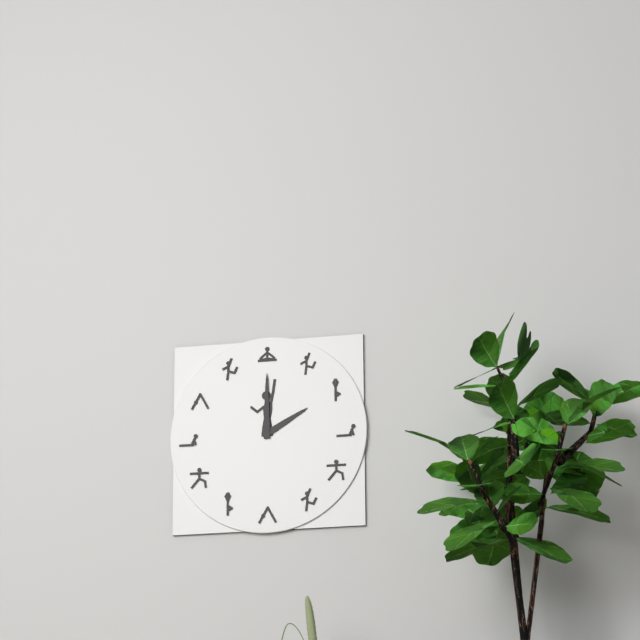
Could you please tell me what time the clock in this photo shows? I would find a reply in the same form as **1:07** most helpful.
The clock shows **2:00**
